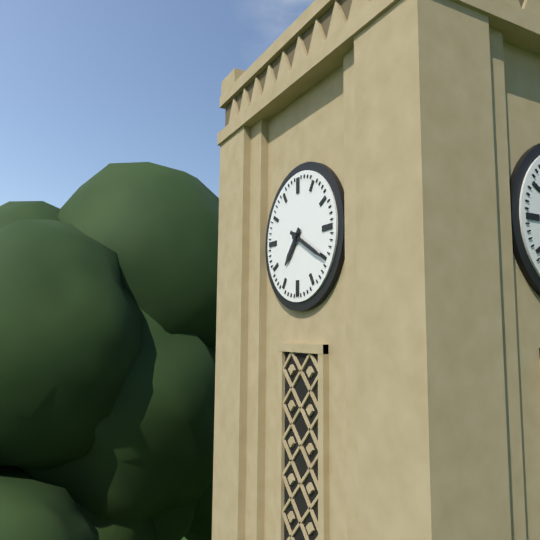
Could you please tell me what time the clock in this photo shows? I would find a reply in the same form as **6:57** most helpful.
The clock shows **7:20**
